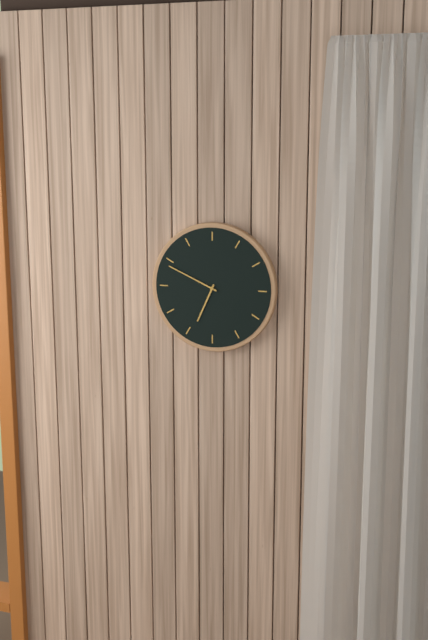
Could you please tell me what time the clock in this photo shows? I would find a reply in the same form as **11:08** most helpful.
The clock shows **6:49**
